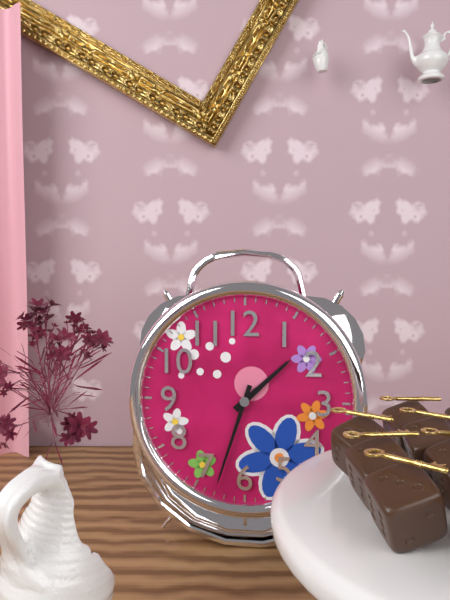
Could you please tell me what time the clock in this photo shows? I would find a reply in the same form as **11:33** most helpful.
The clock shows **1:33**
